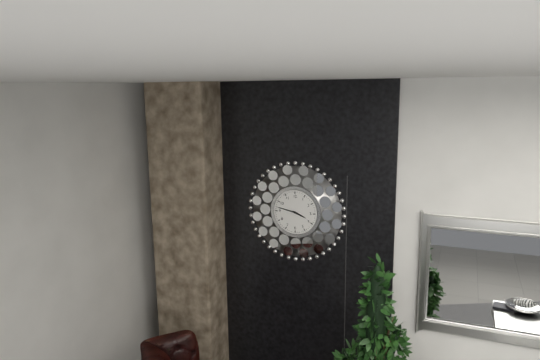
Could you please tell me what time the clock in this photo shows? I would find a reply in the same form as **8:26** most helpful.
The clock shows **3:47**
